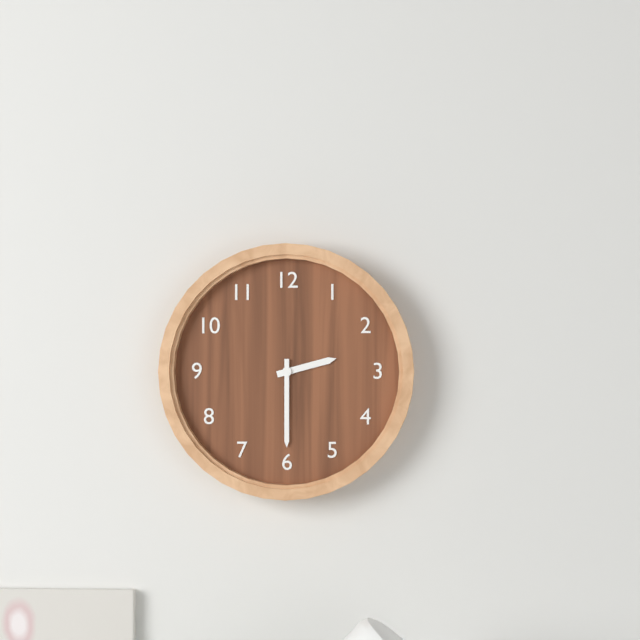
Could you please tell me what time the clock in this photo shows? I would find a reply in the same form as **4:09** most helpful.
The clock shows **2:30**
